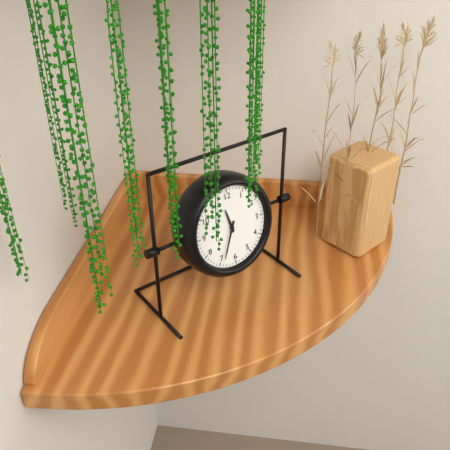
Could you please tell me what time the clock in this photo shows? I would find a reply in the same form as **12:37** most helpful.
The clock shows **11:34**
